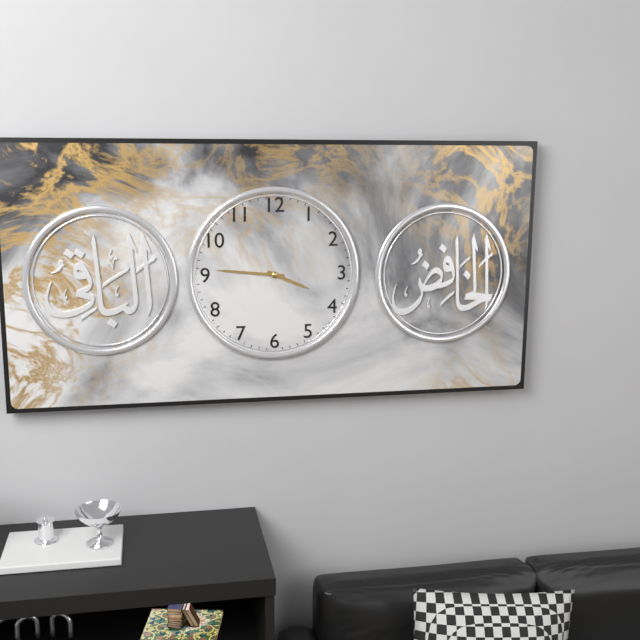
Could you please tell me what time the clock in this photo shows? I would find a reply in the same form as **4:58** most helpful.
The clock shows **3:46**
